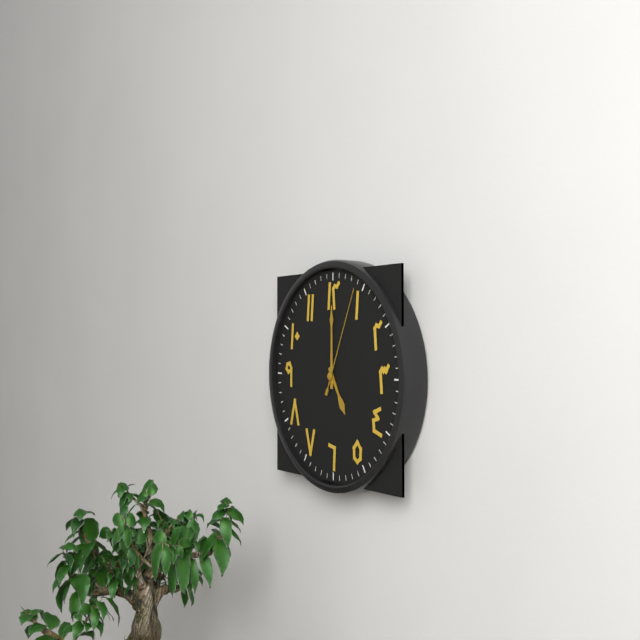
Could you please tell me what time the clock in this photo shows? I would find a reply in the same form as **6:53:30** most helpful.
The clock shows **5:00:04**
